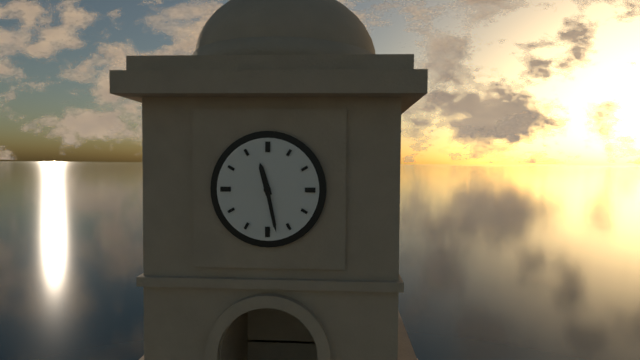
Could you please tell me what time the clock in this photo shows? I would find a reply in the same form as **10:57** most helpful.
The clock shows **11:28**
